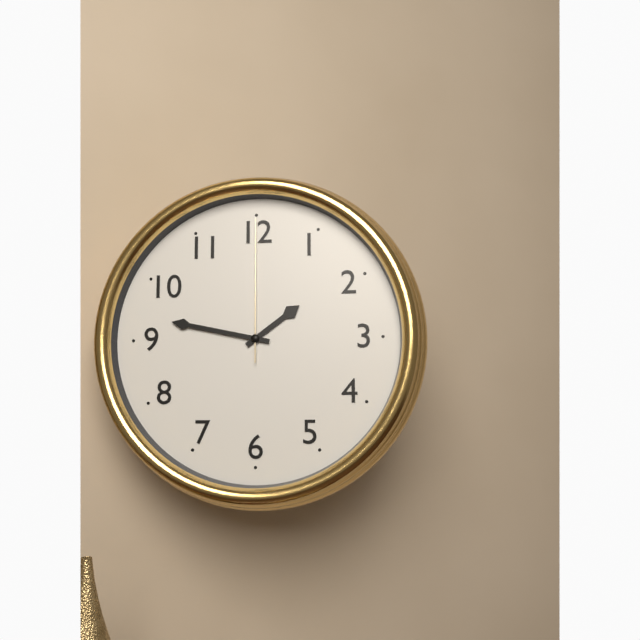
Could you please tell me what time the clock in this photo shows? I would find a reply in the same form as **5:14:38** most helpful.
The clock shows **1:47:00**
